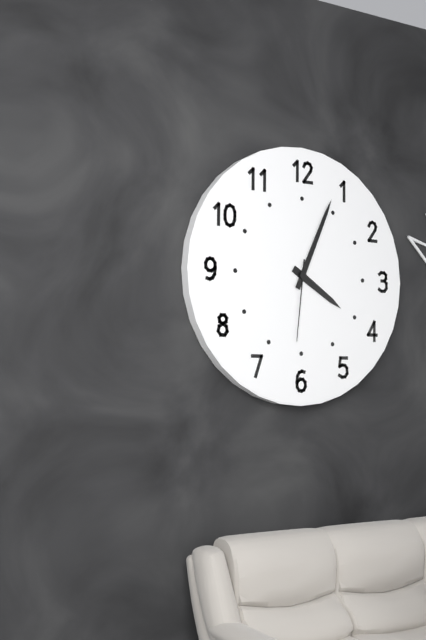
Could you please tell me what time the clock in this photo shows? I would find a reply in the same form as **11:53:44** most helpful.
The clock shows **4:04:31**
